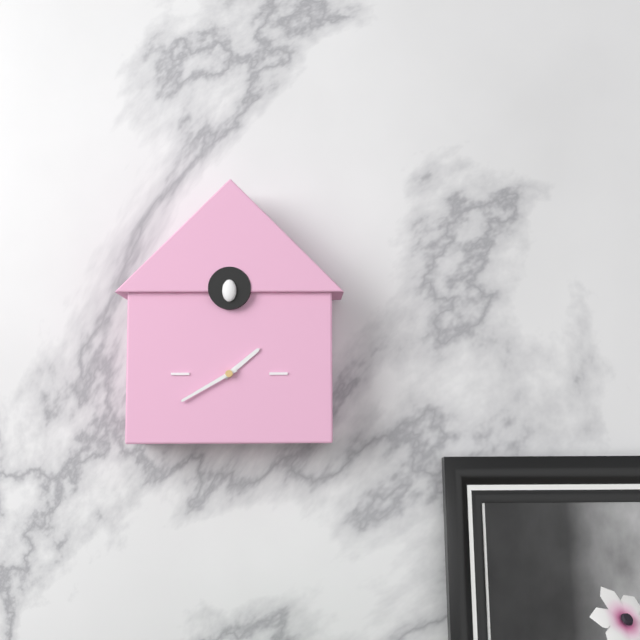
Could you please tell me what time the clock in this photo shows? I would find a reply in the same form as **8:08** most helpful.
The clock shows **1:40**
